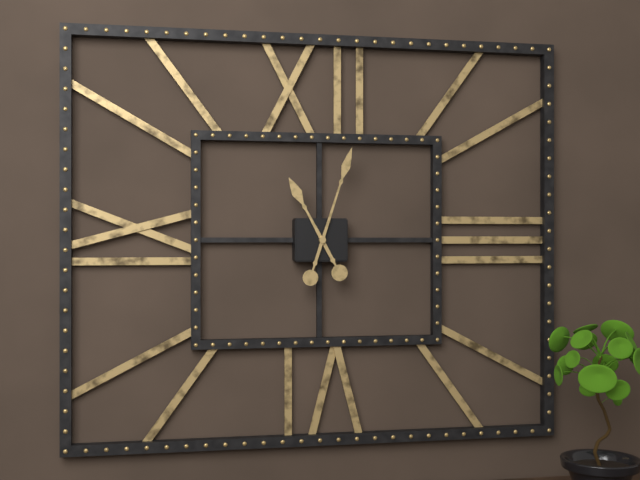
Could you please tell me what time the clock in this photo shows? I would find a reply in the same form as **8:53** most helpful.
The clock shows **11:03**
